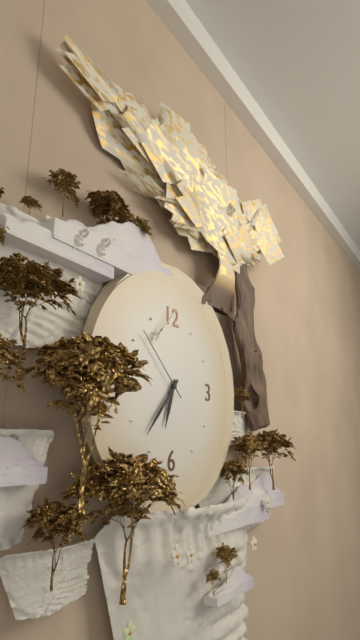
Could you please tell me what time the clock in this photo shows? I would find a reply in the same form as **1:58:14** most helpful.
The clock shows **6:37:52**
